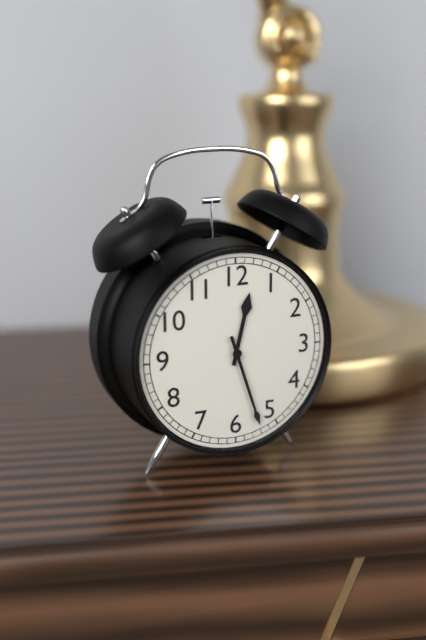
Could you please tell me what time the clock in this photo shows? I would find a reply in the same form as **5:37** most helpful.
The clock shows **12:27**
